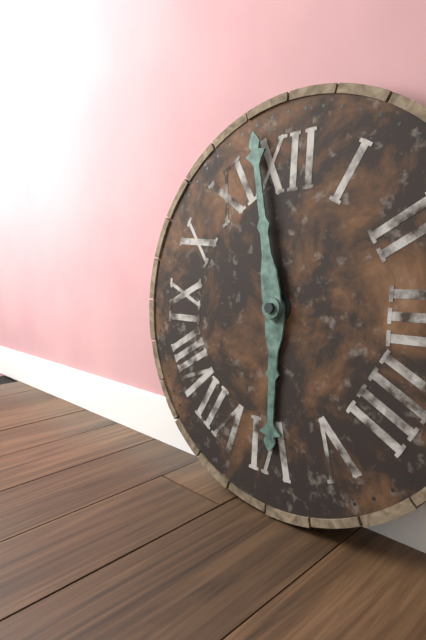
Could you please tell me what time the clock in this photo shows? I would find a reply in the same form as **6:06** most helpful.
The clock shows **5:58**
